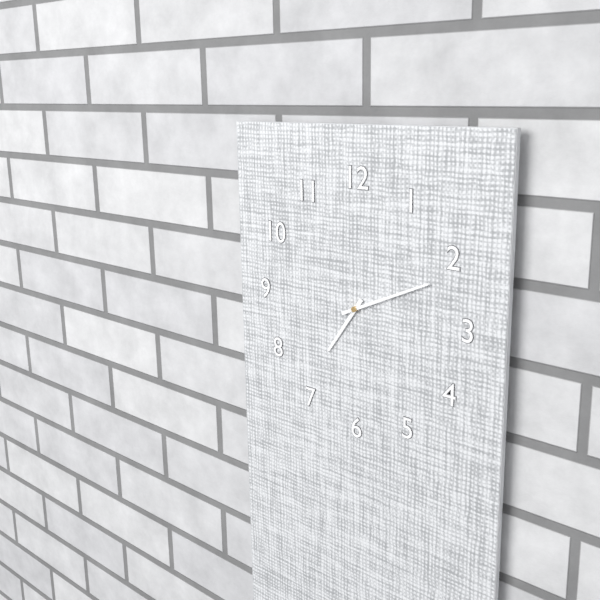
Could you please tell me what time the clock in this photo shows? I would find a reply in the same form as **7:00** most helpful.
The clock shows **7:11**
